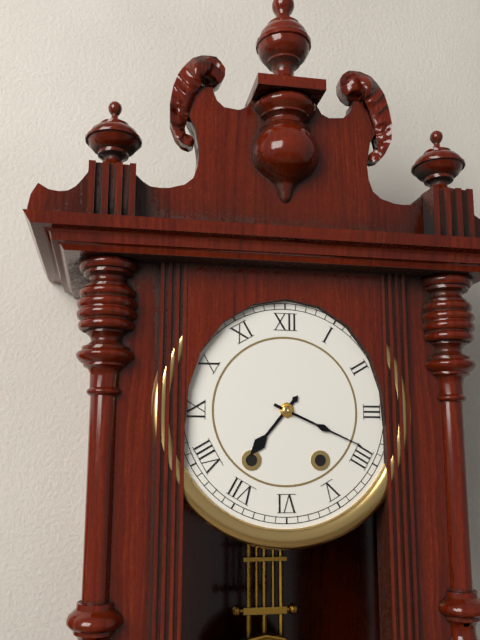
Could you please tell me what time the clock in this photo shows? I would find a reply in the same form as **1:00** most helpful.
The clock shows **7:19**
